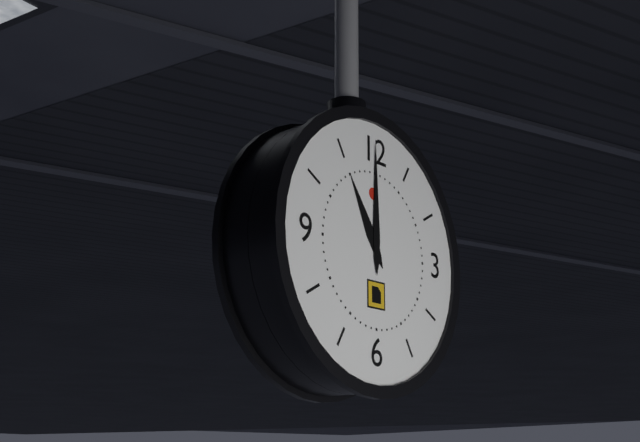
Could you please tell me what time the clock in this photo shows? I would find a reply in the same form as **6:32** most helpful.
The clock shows **11:00**
